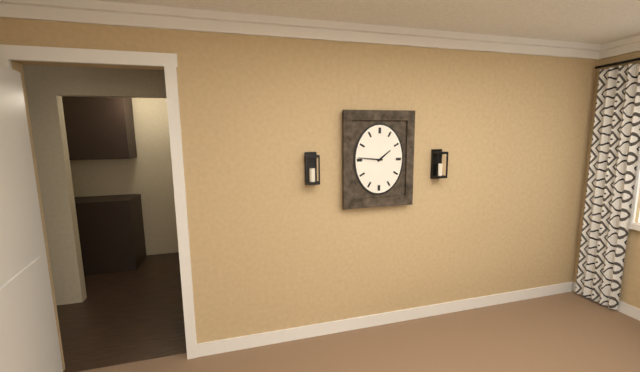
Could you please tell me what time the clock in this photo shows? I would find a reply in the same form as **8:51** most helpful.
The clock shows **1:46**
